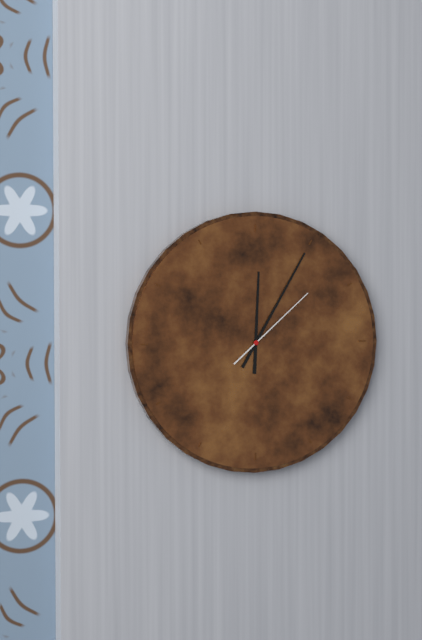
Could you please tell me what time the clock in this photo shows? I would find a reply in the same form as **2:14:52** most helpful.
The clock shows **12:05:08**
